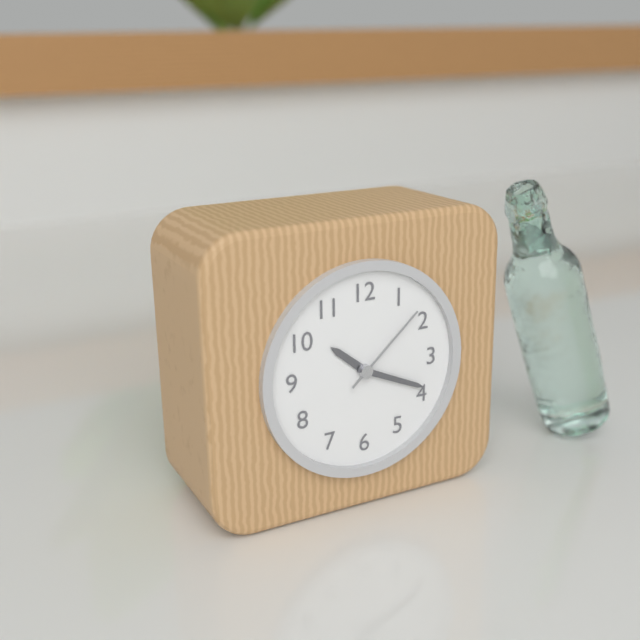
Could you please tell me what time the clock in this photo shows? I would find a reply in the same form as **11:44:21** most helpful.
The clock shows **10:19:08**
